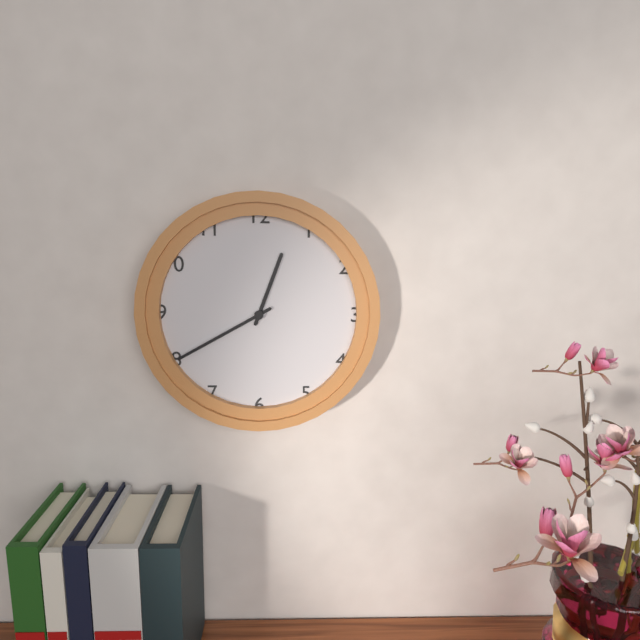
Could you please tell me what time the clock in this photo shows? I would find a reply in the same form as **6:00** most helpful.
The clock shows **12:40**
